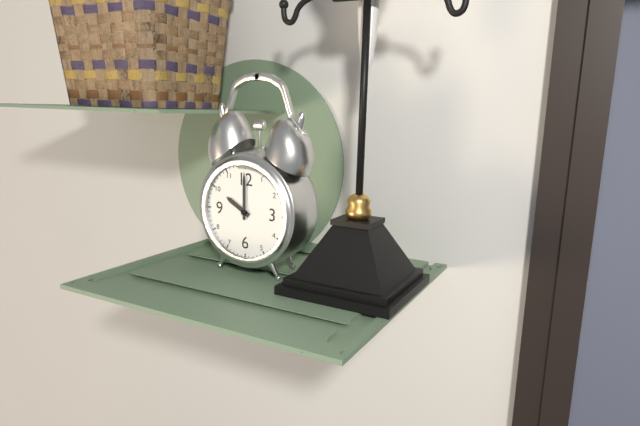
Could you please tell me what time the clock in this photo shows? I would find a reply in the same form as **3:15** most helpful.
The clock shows **10:00**
